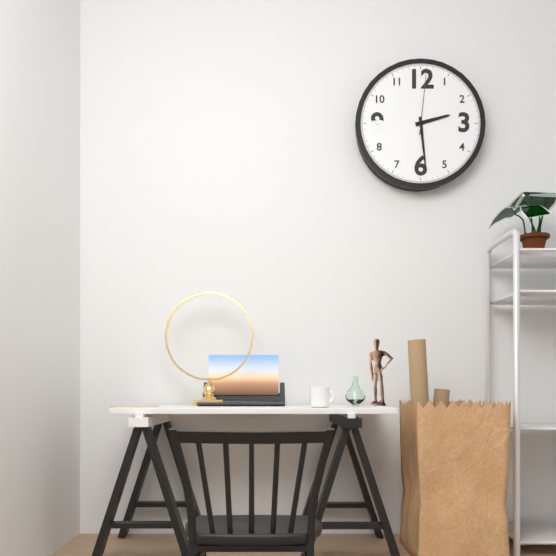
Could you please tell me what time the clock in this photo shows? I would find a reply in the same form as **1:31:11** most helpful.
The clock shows **2:29:01**
